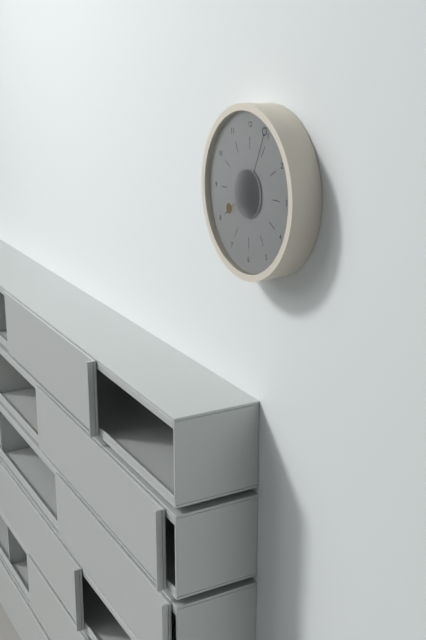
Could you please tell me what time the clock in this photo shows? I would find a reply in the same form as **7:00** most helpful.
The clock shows **8:04**
